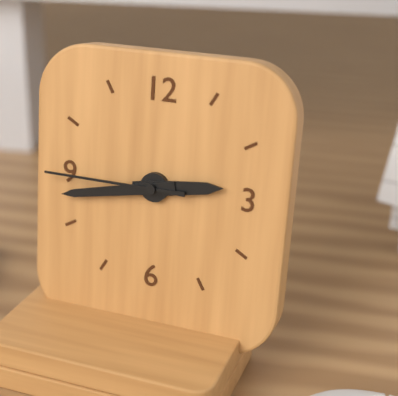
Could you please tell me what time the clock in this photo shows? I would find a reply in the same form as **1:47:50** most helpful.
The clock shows **2:43:45**
